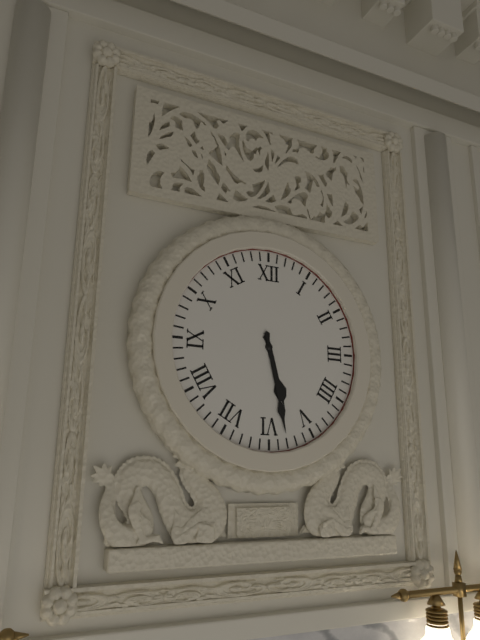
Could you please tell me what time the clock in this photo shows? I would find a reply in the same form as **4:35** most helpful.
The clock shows **5:28**
